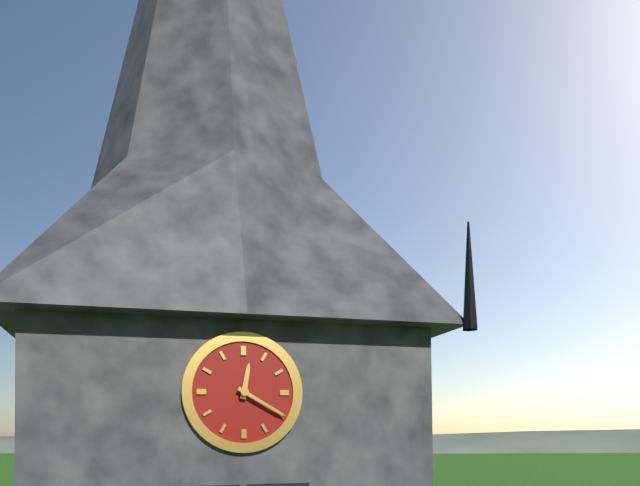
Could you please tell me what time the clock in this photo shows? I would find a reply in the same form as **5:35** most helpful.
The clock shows **12:20**
